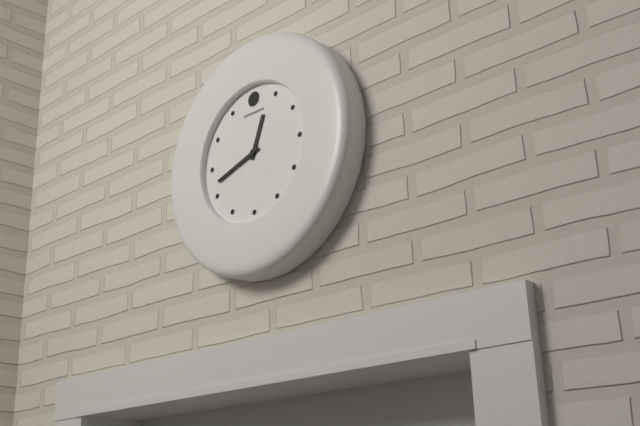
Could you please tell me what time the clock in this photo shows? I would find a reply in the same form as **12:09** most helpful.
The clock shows **12:42**
